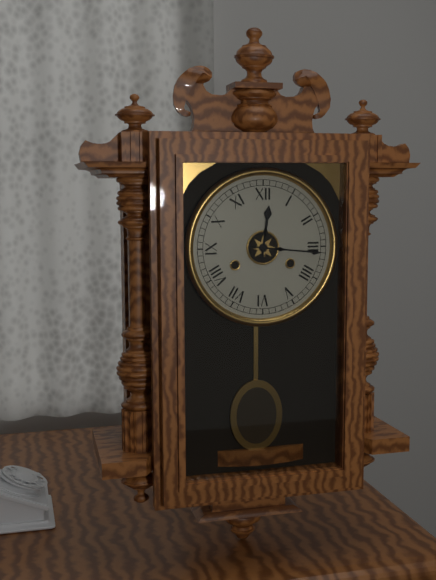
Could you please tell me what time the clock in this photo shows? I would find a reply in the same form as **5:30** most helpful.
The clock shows **12:16**
